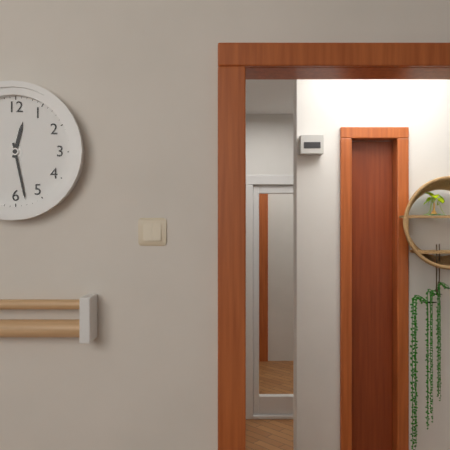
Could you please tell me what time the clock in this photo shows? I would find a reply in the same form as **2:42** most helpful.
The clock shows **12:28**
